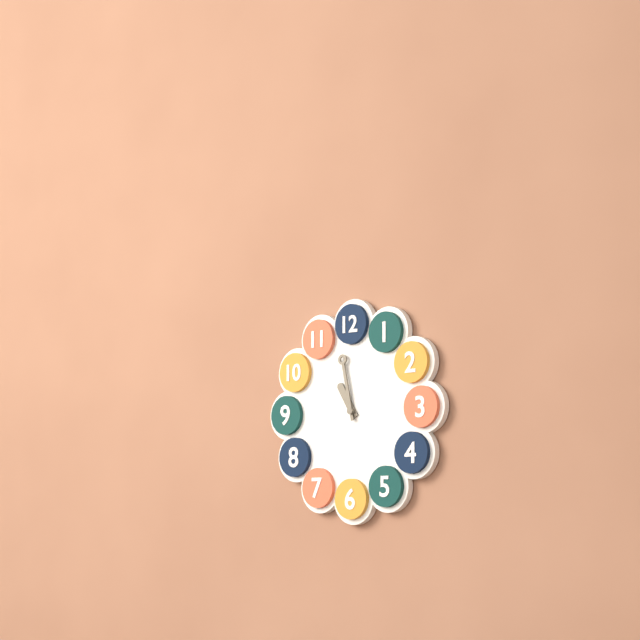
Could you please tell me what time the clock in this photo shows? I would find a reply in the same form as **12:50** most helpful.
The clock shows **10:58**
